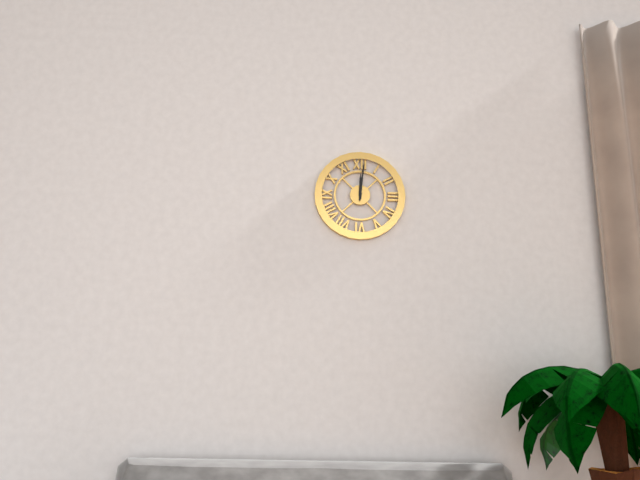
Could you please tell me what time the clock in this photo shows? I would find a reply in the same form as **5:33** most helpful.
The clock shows **12:01**
